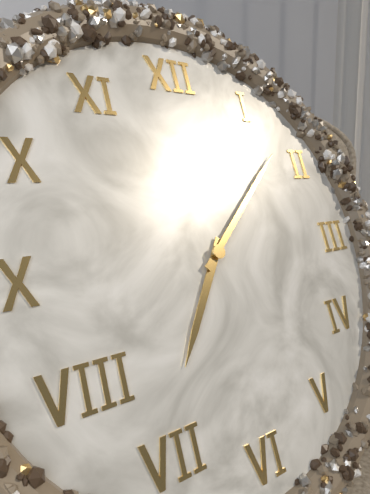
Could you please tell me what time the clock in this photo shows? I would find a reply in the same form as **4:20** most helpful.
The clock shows **7:08**
